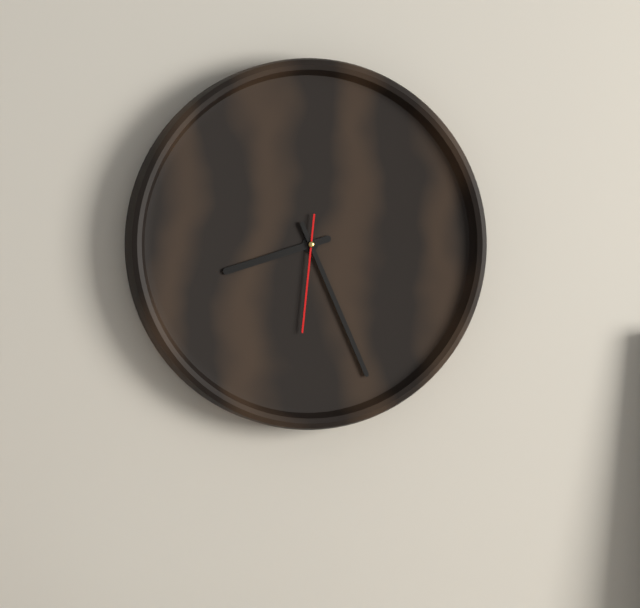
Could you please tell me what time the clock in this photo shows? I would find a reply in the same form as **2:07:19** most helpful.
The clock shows **8:26:31**
